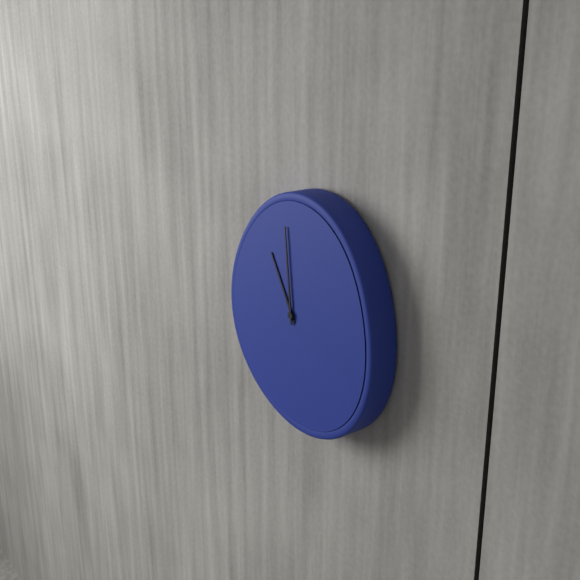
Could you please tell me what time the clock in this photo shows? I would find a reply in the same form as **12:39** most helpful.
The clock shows **10:59**
